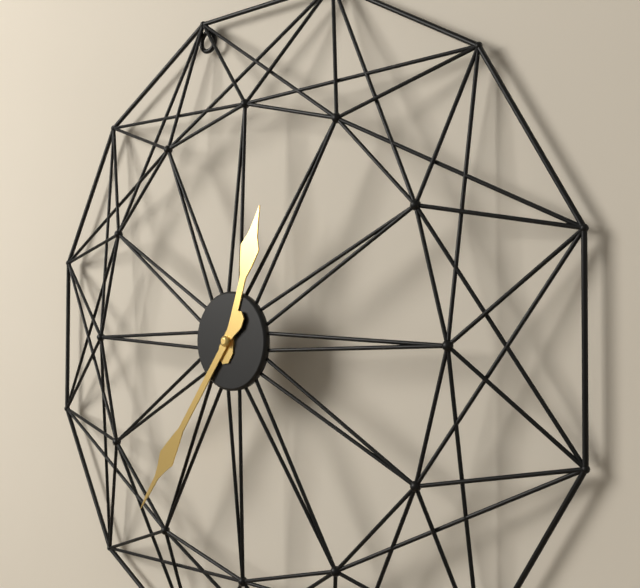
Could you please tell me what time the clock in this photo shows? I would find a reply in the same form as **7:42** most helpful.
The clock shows **12:36**
